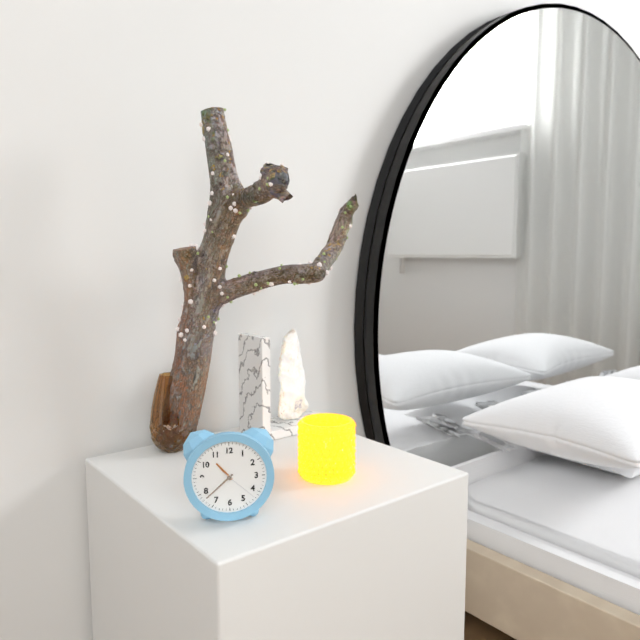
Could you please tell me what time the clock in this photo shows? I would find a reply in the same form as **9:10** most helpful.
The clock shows **10:38**
